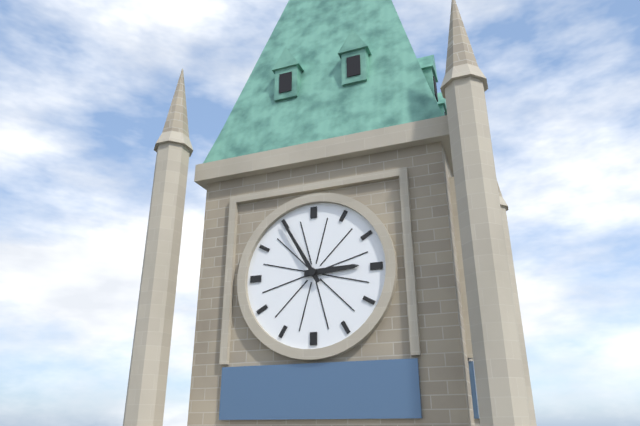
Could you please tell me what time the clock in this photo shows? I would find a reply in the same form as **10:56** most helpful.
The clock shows **2:55**
